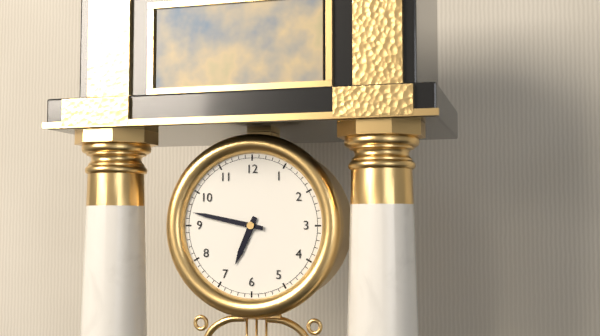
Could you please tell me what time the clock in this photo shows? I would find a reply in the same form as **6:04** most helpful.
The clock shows **6:47**
